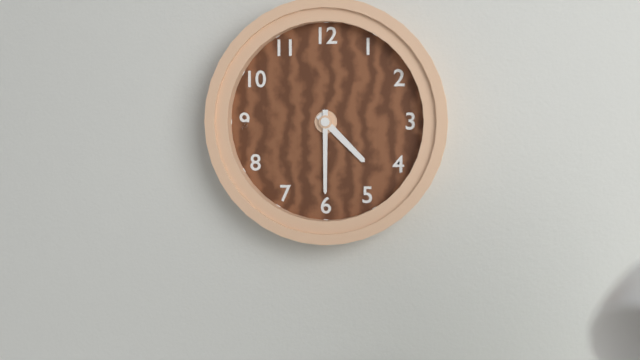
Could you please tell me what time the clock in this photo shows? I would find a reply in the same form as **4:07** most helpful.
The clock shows **4:30**
